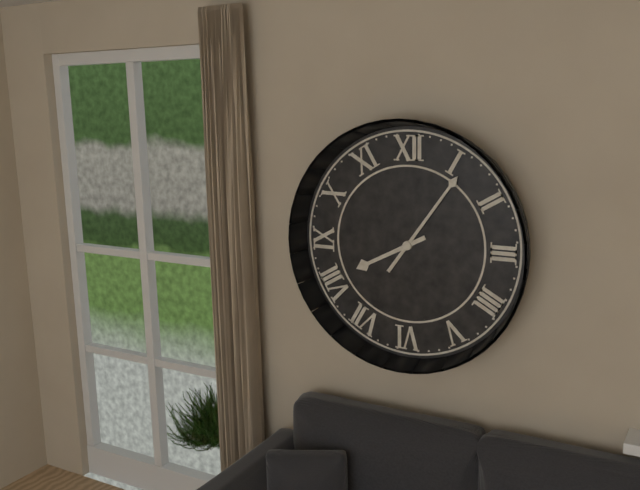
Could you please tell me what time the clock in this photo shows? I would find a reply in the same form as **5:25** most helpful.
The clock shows **8:06**
